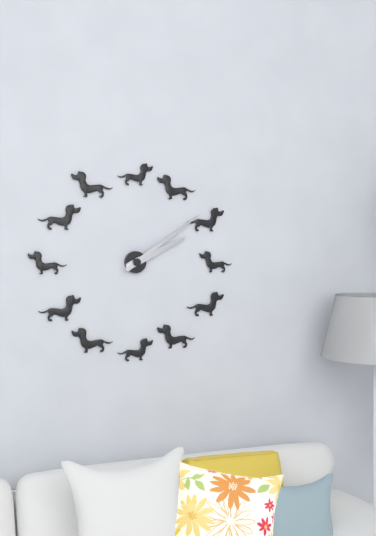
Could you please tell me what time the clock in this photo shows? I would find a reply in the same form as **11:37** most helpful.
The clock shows **2:09**
